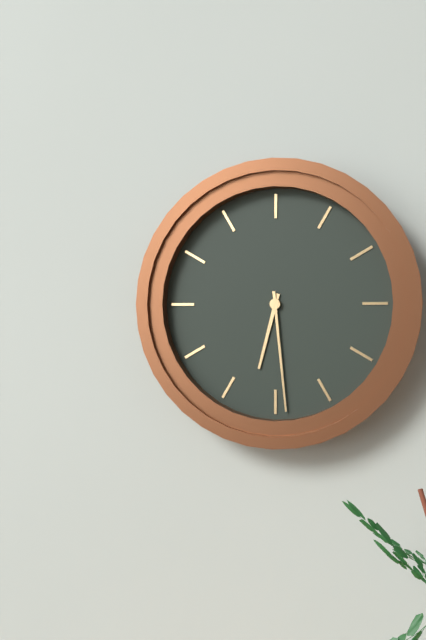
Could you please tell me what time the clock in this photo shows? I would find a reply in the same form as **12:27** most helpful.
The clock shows **6:29**
